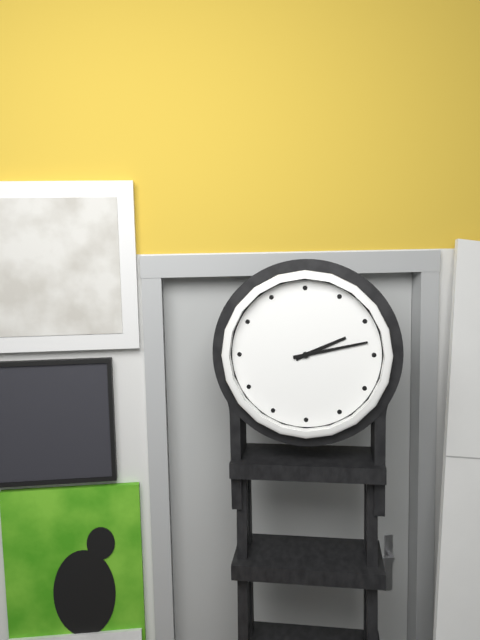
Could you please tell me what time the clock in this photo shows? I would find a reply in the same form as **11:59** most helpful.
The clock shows **2:13**
